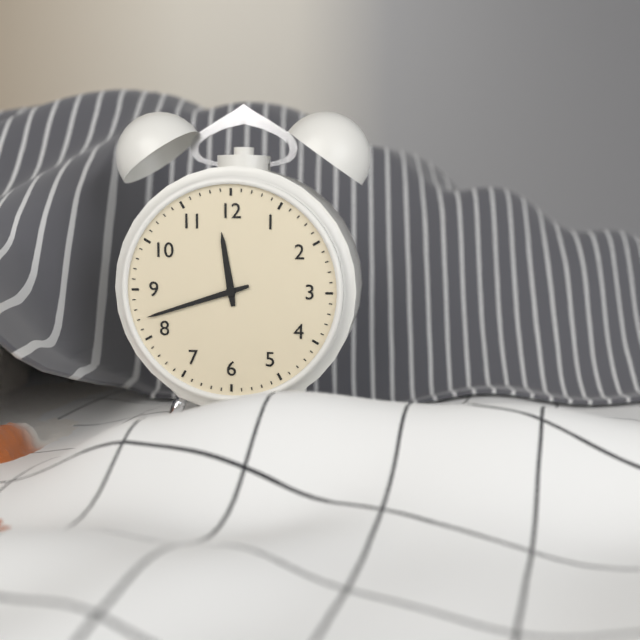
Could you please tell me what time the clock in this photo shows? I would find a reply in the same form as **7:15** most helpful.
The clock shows **11:42**
